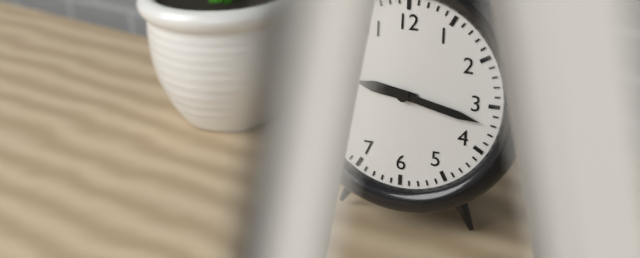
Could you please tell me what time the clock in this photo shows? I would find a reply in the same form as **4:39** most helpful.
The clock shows **9:17**
